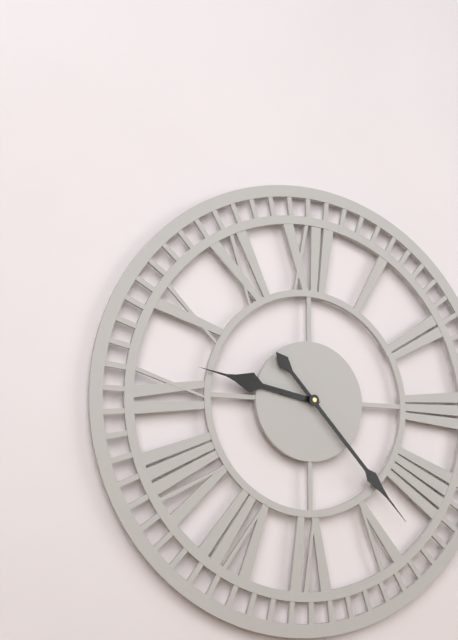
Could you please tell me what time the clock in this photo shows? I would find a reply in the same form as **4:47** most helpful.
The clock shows **9:23**
